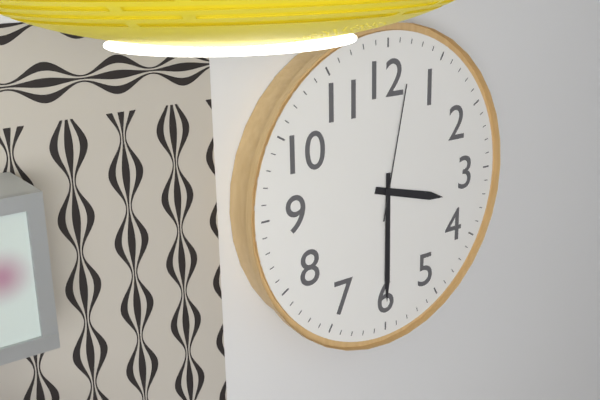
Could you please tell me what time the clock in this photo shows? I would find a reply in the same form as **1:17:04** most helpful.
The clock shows **3:30:02**
